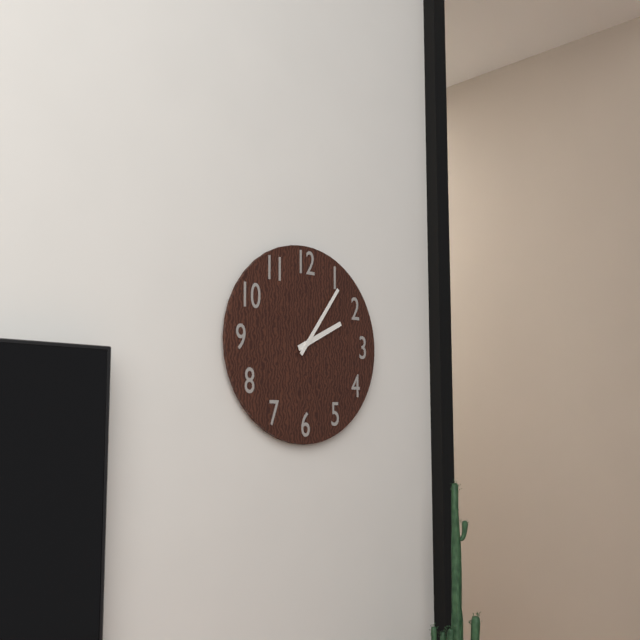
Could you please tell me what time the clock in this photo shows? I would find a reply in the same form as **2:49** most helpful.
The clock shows **2:06**
